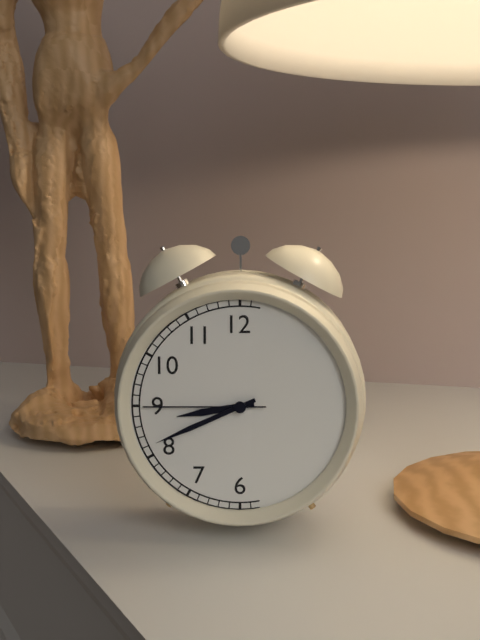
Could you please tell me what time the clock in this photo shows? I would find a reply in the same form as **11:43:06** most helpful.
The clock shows **8:41:45**
